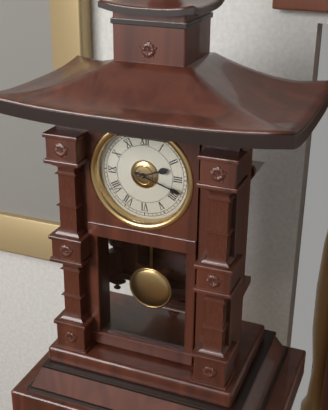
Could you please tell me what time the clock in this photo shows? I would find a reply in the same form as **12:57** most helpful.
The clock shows **2:18**
